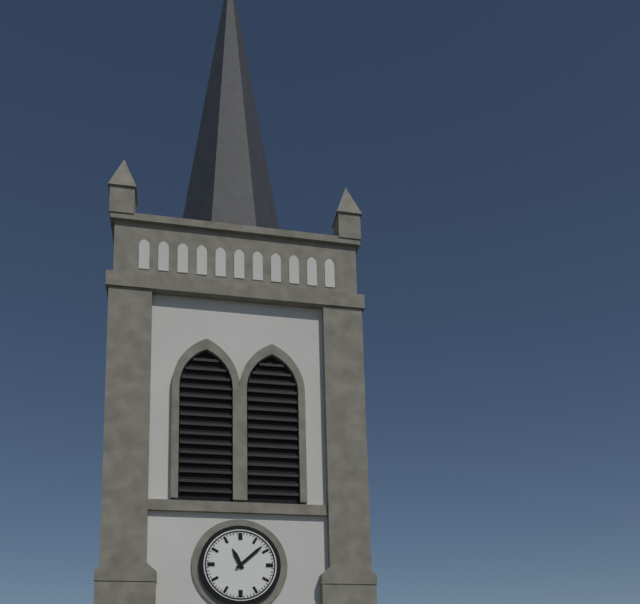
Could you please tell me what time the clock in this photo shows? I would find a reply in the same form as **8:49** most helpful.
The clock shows **11:08**
